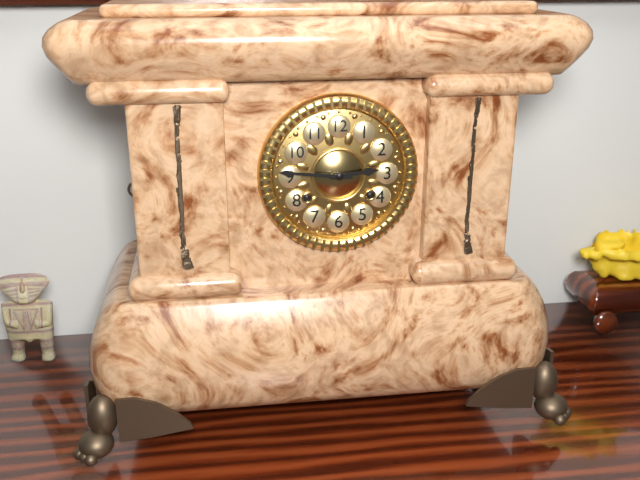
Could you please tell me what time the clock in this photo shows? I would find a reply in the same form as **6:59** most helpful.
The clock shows **2:46**
